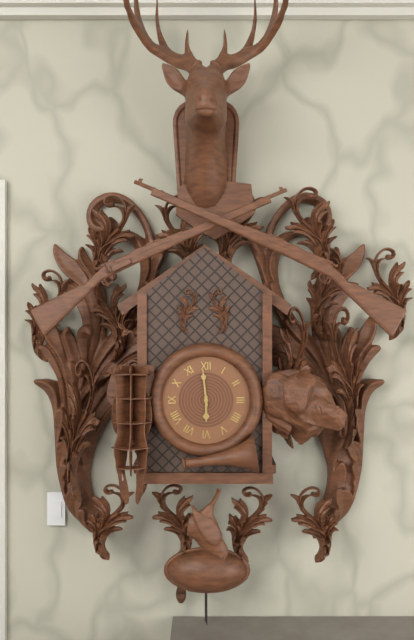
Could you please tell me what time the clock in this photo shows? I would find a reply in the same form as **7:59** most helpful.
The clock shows **5:59**
